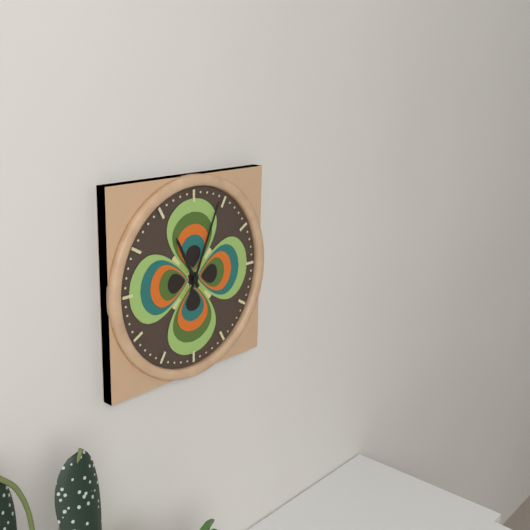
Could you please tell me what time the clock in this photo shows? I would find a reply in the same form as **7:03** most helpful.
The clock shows **11:04**
